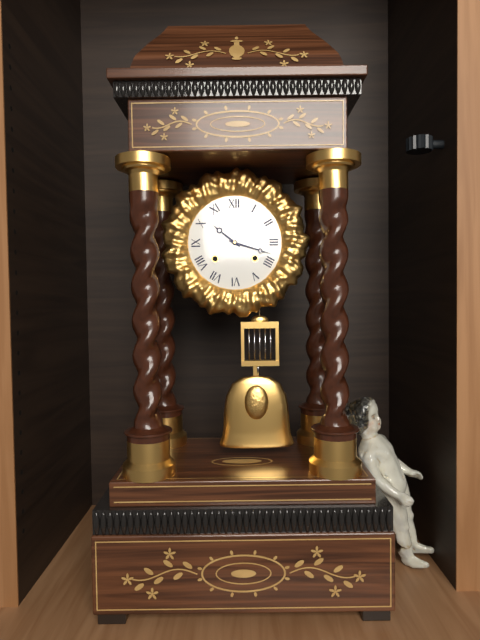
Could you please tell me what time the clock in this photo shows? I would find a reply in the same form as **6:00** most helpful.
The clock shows **10:18**
